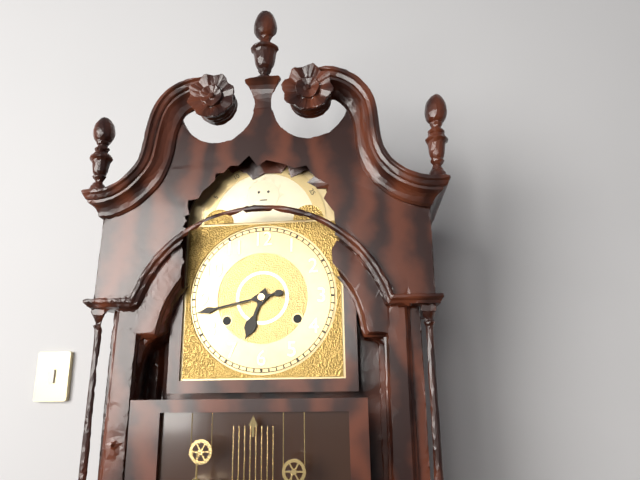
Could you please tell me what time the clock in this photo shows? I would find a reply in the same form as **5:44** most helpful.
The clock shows **6:43**
